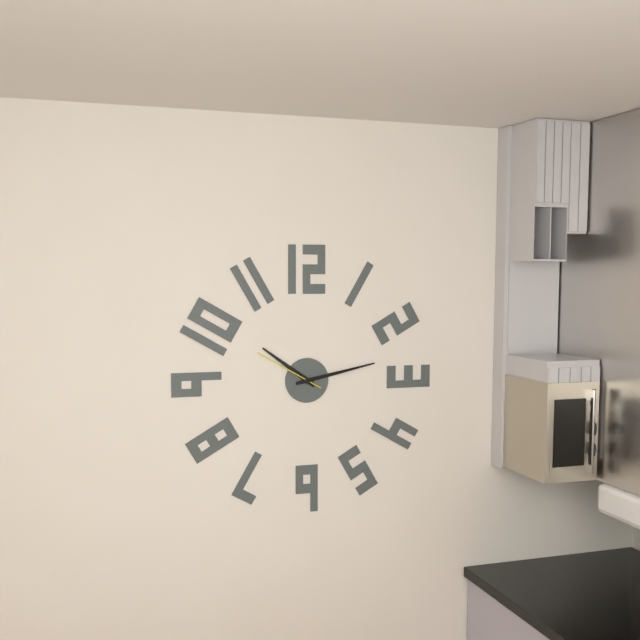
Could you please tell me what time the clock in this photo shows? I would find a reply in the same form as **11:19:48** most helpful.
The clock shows **10:13:50**
